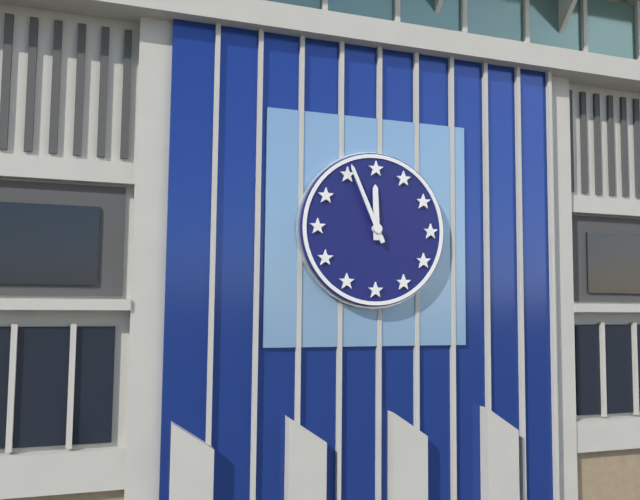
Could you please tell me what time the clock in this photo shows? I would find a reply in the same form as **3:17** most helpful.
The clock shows **11:56**
